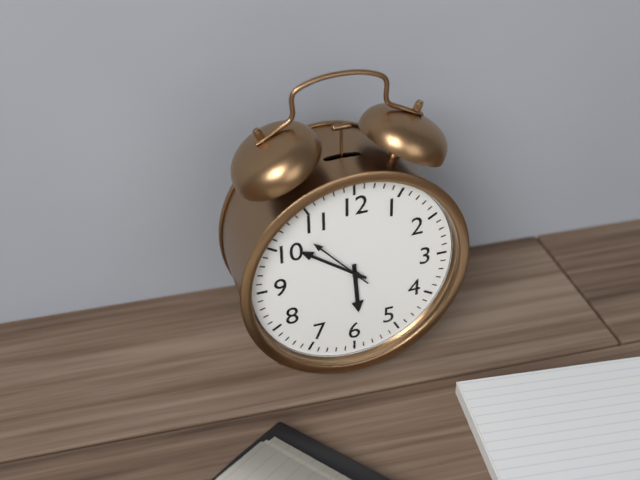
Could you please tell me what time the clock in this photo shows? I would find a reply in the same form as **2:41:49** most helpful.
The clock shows **5:51:53**
